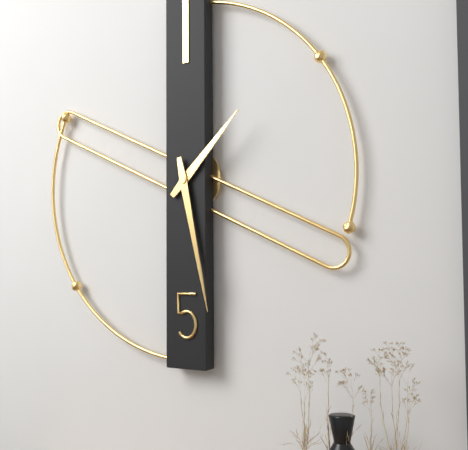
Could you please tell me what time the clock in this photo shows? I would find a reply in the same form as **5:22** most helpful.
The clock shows **1:28**
